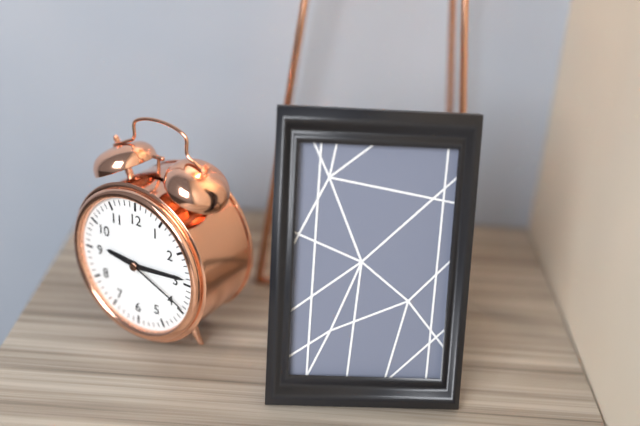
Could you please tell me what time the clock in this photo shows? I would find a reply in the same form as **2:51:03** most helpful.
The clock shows **9:14:19**
